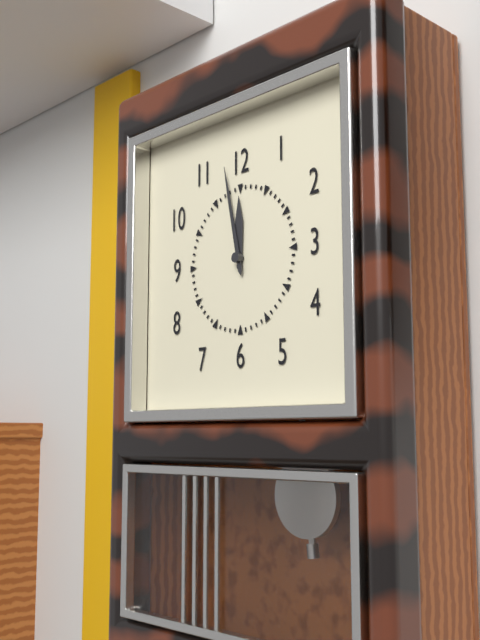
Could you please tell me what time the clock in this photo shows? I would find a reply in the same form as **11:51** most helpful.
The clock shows **11:58**
